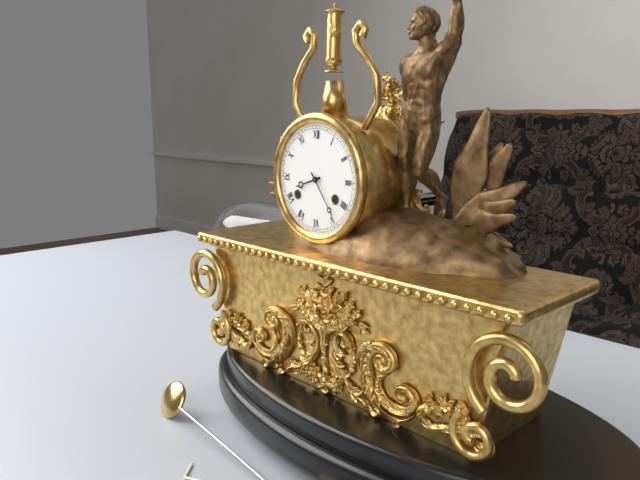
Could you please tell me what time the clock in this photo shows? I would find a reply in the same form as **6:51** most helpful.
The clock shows **8:24**
